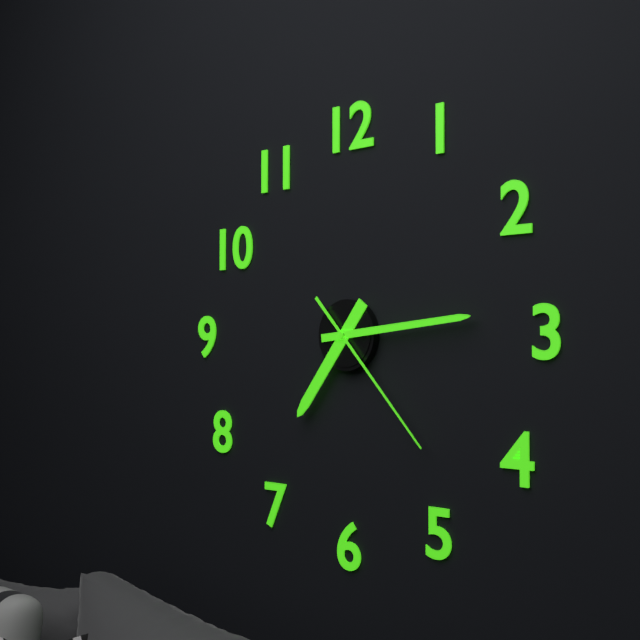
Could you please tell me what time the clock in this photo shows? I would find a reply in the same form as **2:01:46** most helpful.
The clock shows **7:14:23**
